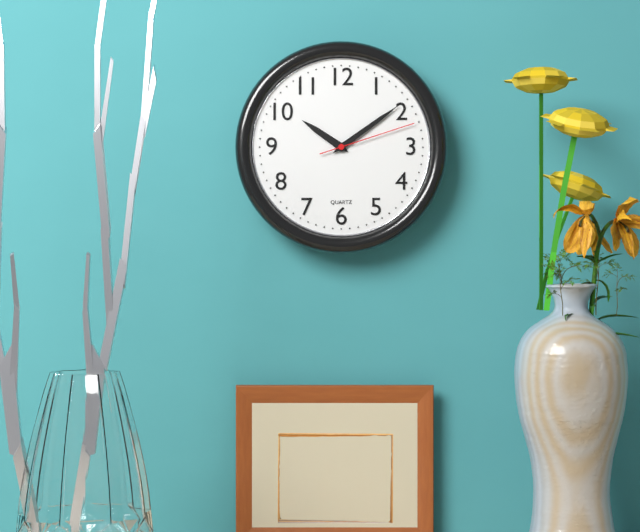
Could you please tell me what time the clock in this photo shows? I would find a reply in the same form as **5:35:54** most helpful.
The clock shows **10:09:12**
